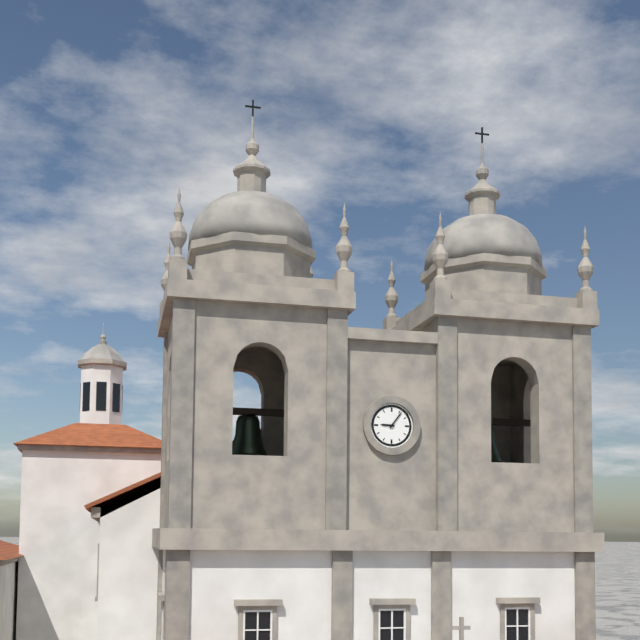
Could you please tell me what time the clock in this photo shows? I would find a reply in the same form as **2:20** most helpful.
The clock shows **9:06**
